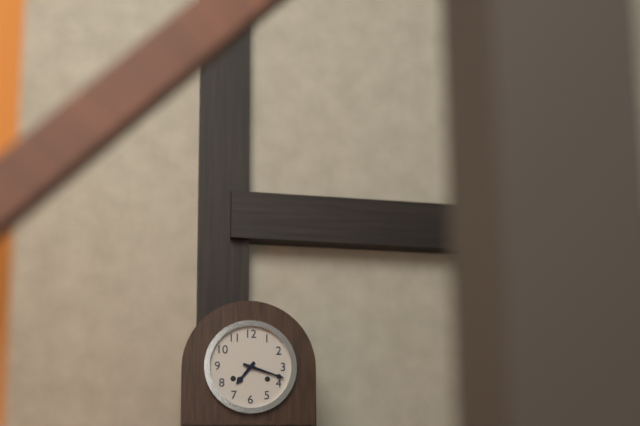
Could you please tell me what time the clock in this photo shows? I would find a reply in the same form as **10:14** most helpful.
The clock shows **7:18**
